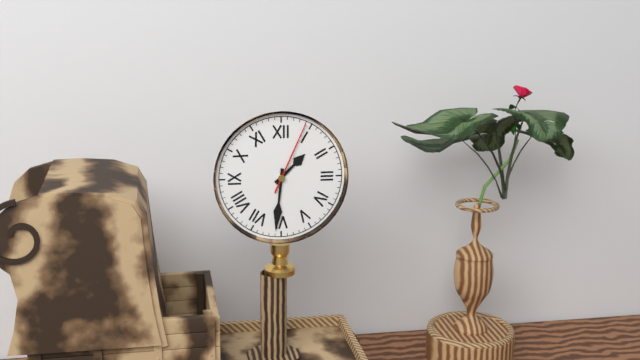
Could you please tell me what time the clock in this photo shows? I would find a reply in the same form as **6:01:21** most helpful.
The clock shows **1:31:04**
